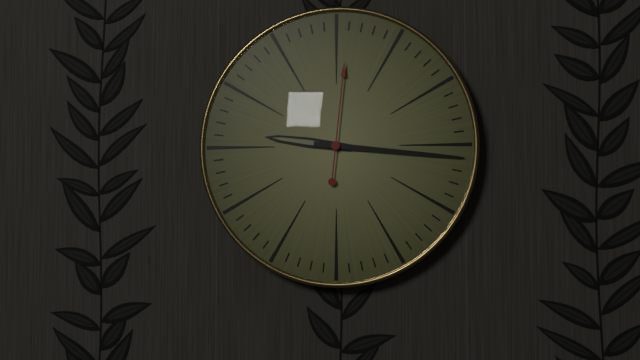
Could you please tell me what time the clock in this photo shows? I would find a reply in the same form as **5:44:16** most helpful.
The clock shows **9:16:01**
